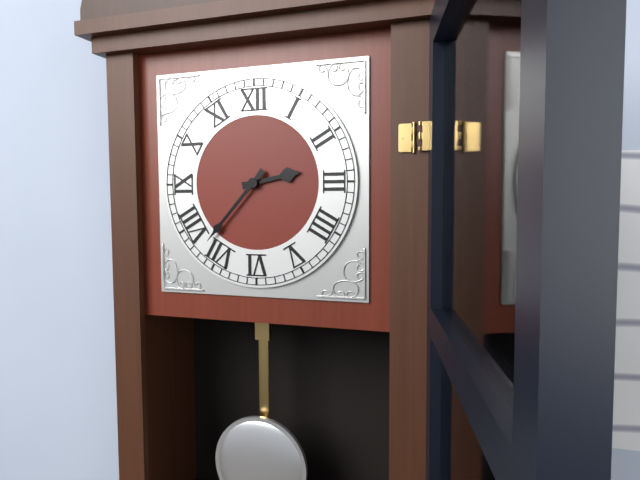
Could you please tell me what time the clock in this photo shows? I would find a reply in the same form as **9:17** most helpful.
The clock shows **2:37**
